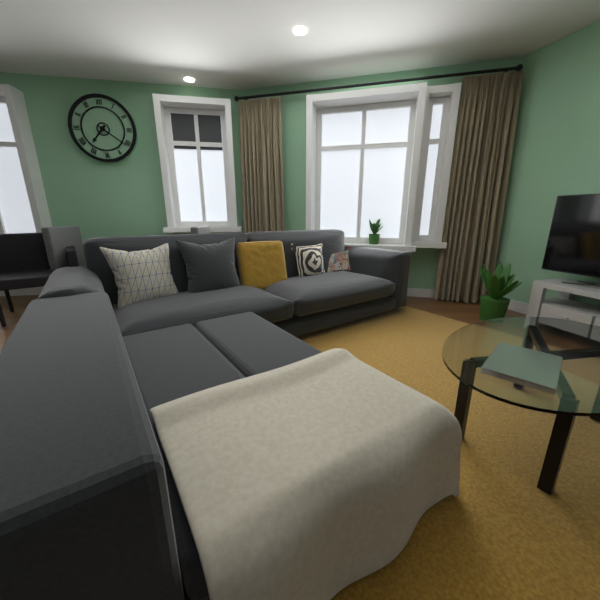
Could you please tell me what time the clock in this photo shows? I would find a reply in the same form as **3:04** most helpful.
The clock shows **7:21**
